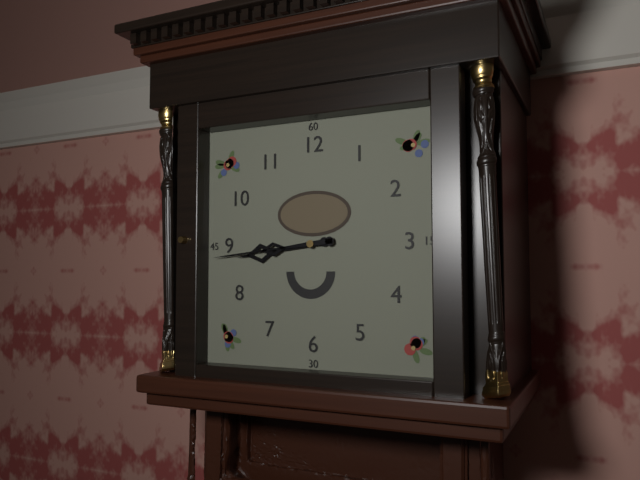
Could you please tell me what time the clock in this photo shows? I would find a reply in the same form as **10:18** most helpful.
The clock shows **8:44**
